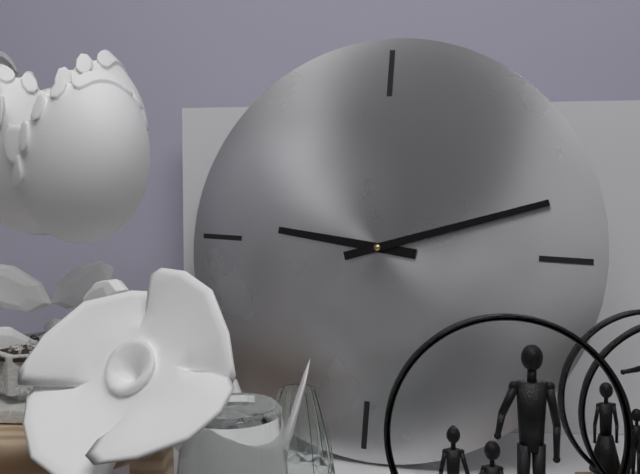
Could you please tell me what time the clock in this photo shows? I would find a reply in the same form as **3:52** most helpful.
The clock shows **9:12**
